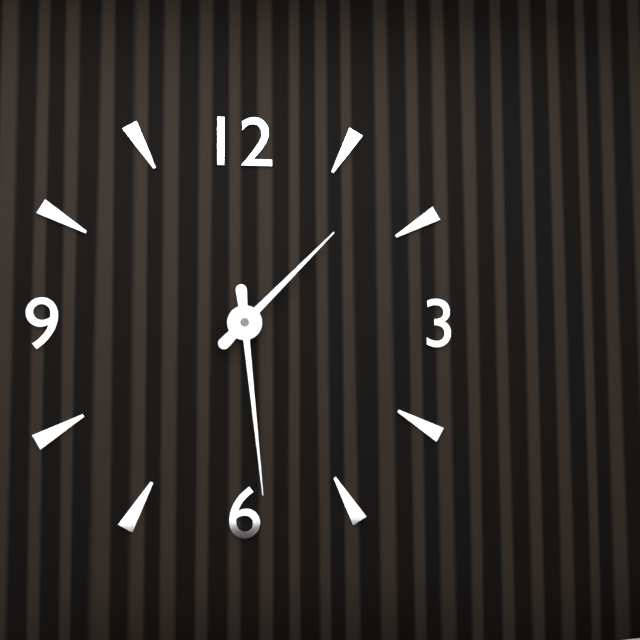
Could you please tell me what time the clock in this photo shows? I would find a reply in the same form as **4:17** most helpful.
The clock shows **1:29**
